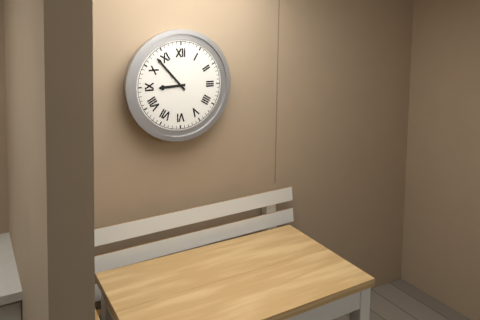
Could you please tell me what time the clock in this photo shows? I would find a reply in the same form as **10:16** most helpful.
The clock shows **8:53**
